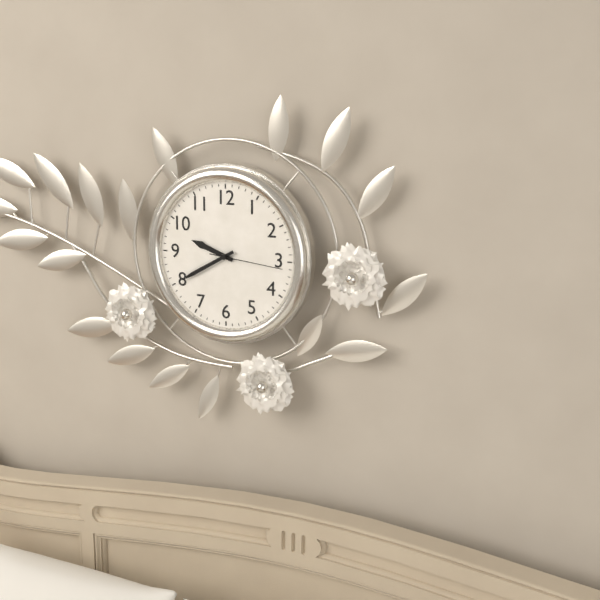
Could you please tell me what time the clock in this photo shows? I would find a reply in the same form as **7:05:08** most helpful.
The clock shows **9:40:16**
